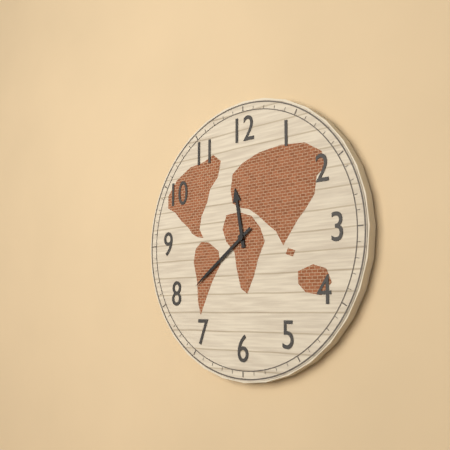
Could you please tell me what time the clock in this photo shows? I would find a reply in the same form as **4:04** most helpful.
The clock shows **11:39**
